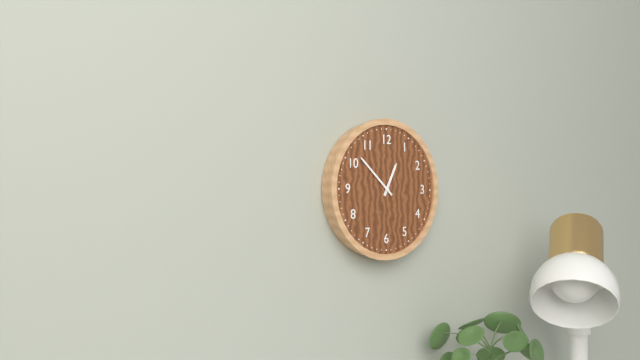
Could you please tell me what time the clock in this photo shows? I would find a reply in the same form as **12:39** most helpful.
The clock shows **12:52**
